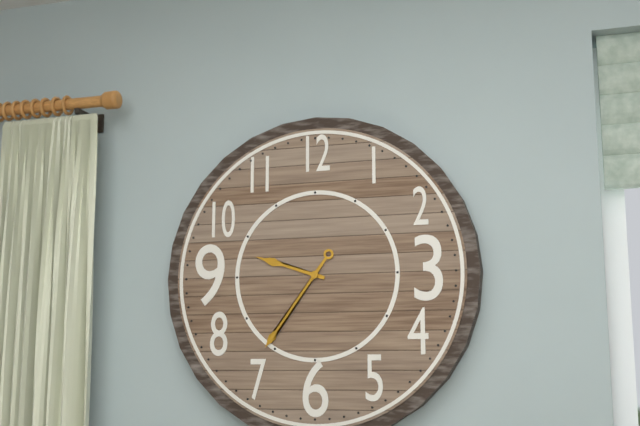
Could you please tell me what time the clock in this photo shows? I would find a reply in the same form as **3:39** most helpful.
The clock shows **9:36**
